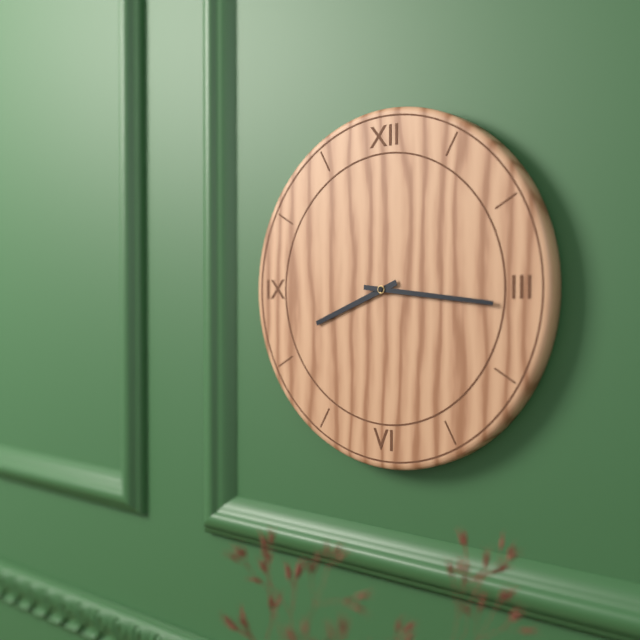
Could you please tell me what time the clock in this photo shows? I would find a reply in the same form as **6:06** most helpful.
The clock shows **8:16**
